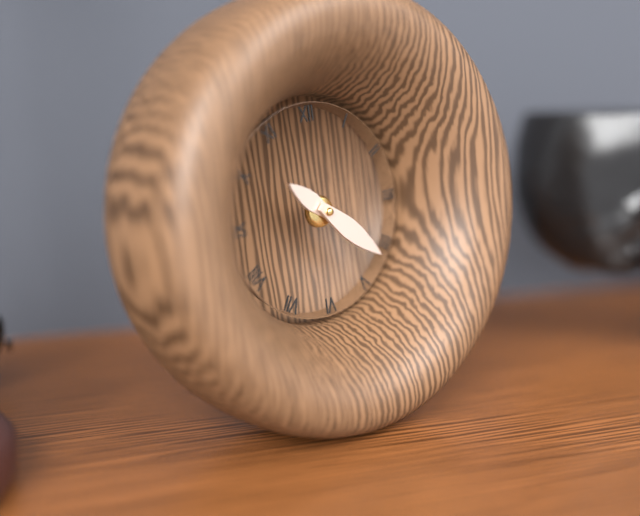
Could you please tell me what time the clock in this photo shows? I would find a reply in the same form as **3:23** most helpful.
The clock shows **10:22**
